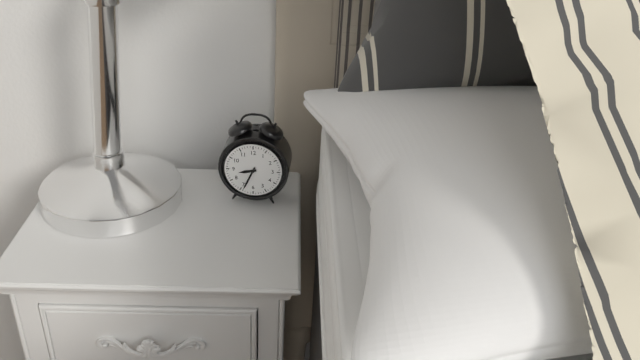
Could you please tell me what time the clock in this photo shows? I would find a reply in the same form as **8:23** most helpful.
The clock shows **8:34**
